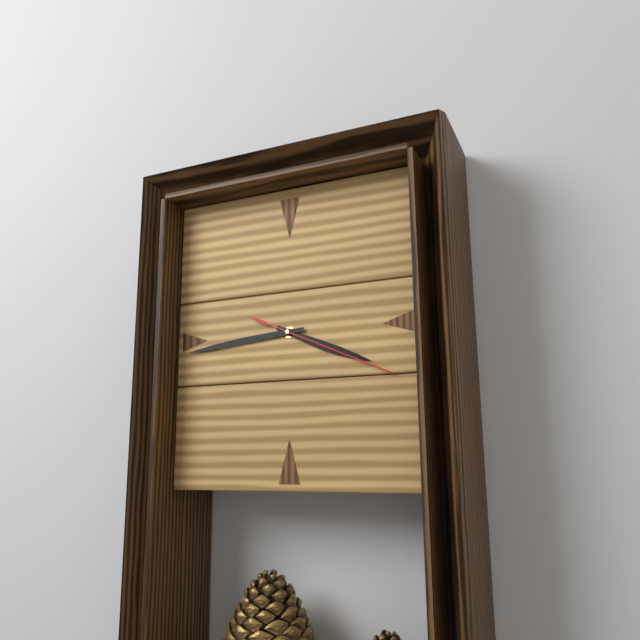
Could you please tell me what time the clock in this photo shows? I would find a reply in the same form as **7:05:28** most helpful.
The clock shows **3:44:19**
